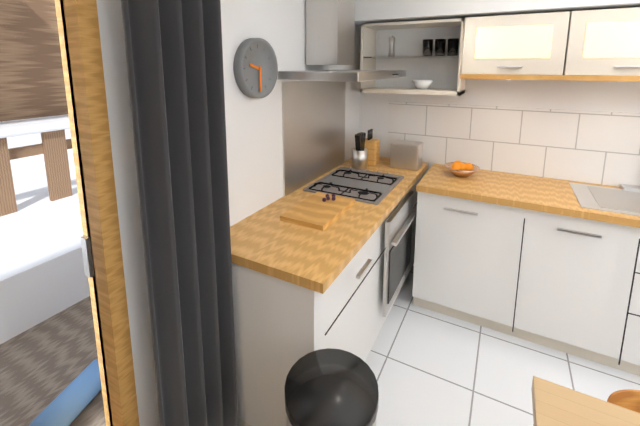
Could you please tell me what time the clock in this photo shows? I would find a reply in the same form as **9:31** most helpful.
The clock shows **9:30**
